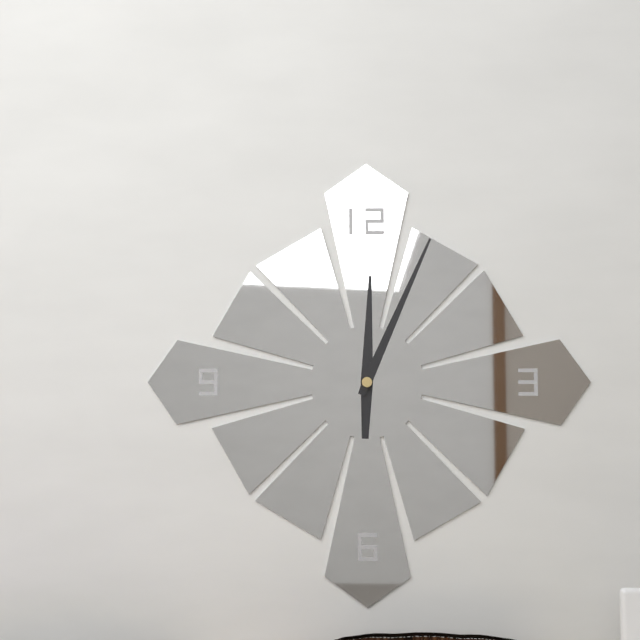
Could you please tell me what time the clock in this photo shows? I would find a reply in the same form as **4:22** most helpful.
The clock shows **12:04**
